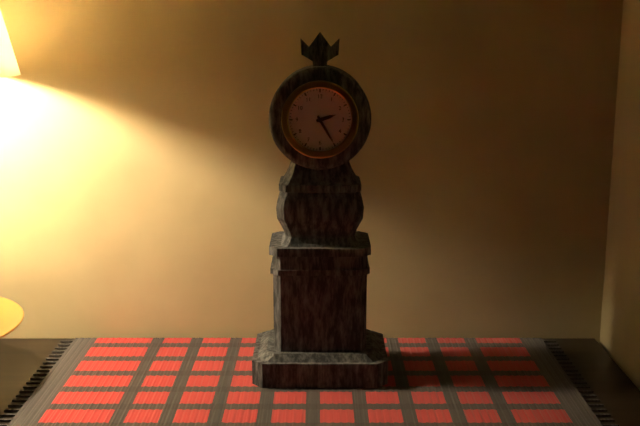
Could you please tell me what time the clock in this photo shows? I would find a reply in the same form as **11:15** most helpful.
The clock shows **2:25**
